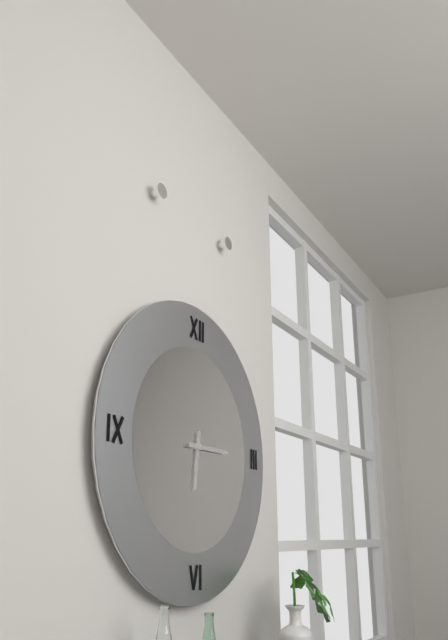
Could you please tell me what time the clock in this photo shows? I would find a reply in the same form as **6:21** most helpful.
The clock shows **6:15**
